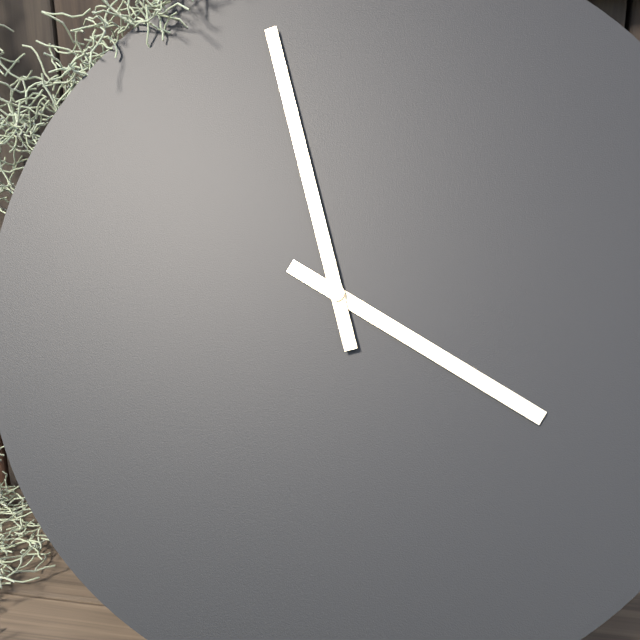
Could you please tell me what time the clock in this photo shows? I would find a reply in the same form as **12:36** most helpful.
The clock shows **3:57**
